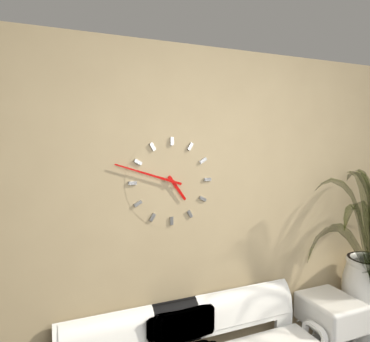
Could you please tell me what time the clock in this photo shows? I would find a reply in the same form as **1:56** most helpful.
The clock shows **4:48**
